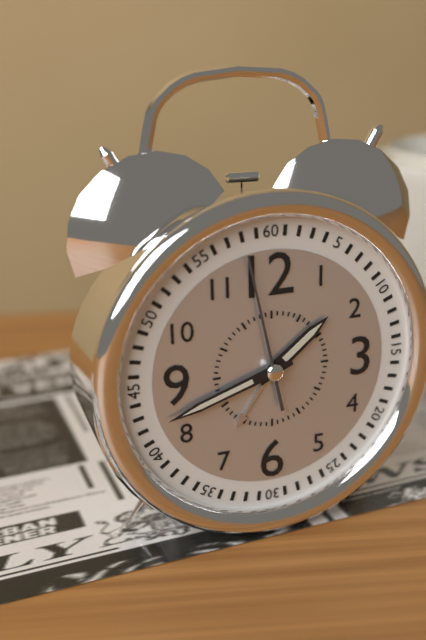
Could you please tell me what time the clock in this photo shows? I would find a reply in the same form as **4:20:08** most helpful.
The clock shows **1:42:58**
